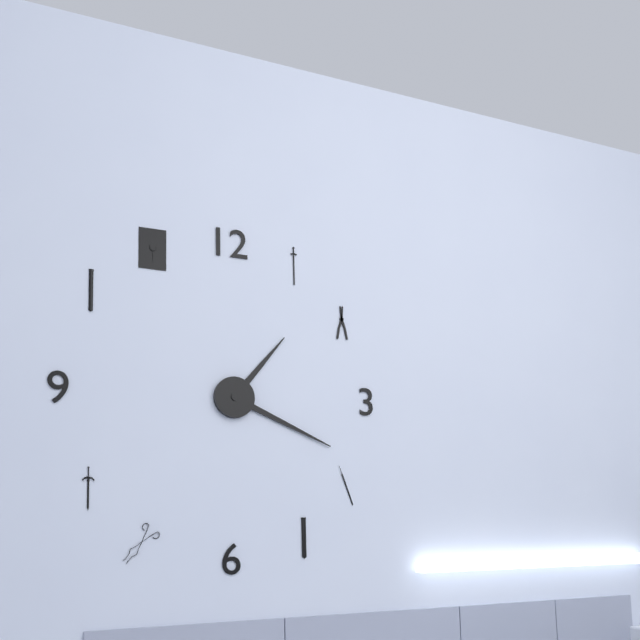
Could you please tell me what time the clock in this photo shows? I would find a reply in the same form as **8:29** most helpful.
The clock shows **1:19**
